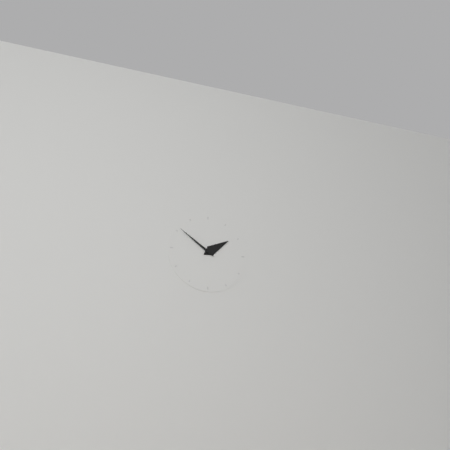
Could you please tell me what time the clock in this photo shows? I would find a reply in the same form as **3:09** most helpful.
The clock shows **1:51**
